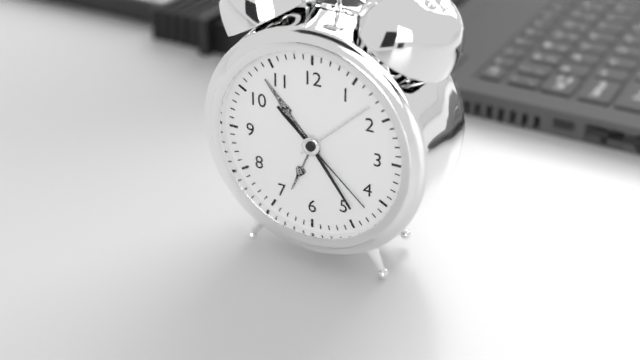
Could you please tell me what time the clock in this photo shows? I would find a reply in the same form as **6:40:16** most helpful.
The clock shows **10:24:22**
